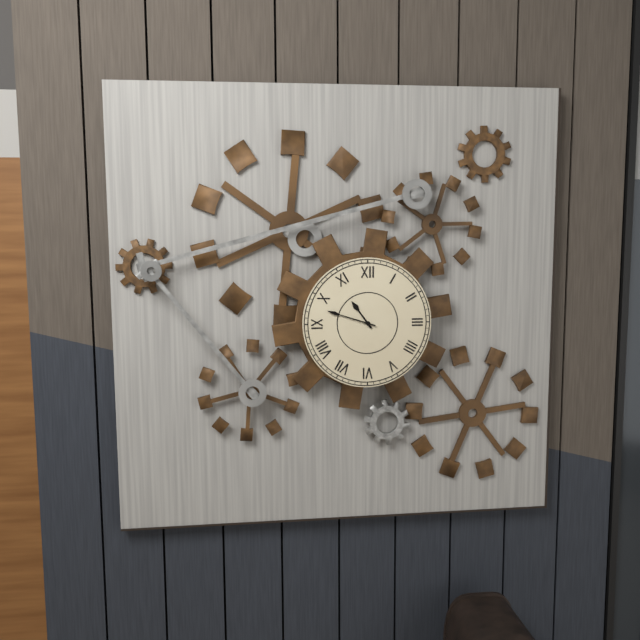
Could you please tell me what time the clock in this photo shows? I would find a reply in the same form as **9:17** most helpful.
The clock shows **10:48**
